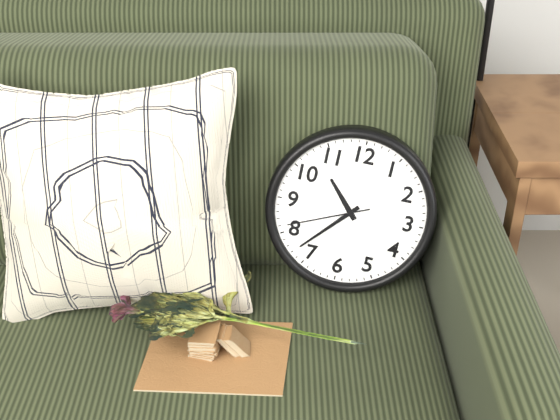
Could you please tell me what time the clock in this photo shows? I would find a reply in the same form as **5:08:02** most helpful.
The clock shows **10:37:41**
